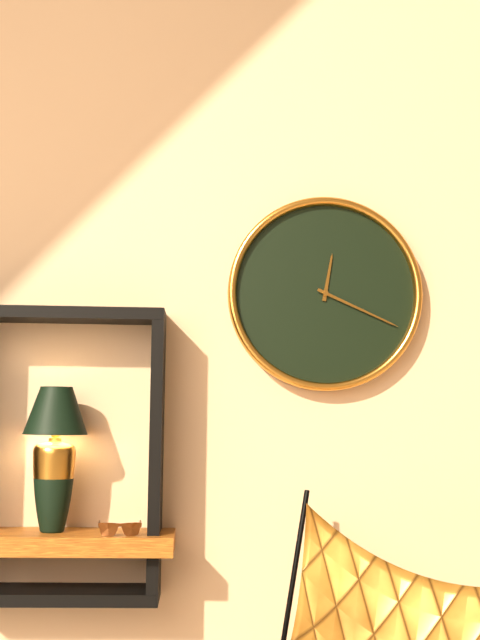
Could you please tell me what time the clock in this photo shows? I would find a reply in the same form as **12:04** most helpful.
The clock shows **12:19**
